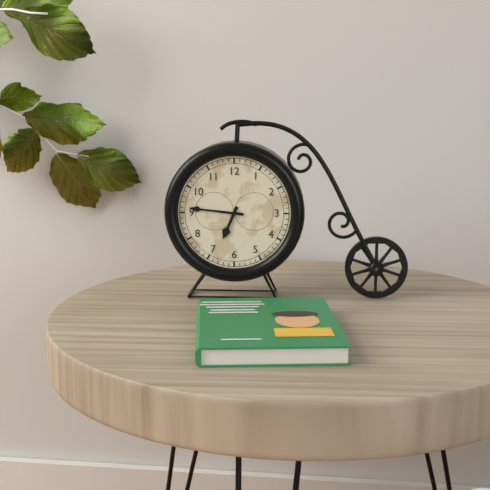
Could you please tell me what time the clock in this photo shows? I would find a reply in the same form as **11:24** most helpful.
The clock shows **6:46**
